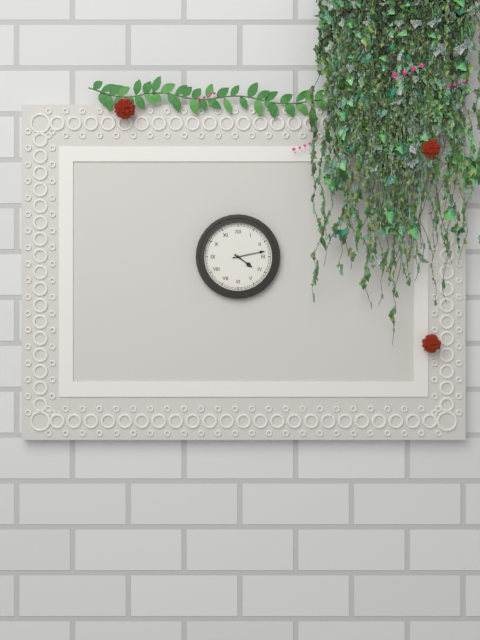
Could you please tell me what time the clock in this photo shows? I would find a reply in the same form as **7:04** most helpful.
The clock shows **4:13**
